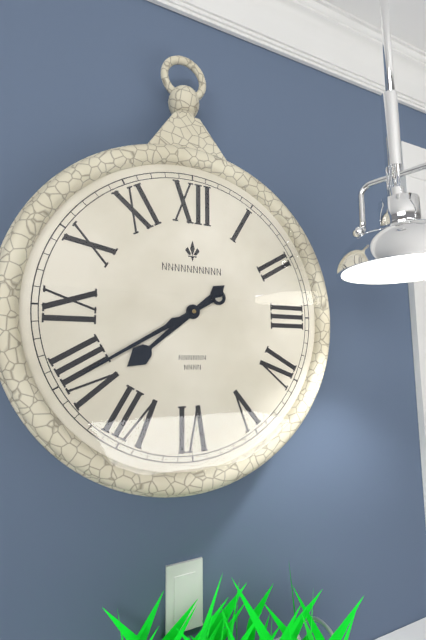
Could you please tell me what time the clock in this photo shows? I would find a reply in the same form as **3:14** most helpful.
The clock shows **7:40**
